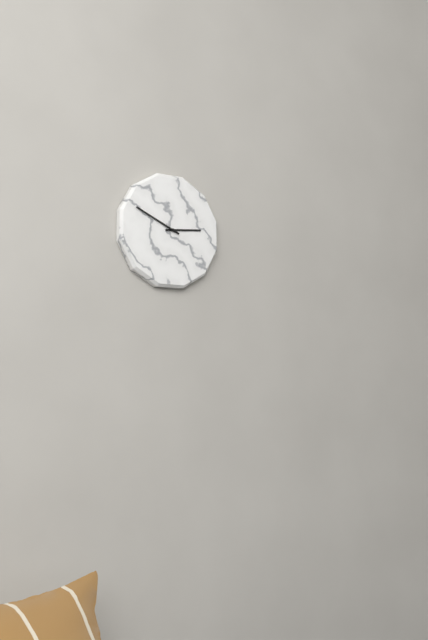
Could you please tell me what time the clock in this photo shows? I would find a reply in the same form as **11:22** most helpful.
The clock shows **2:49**
